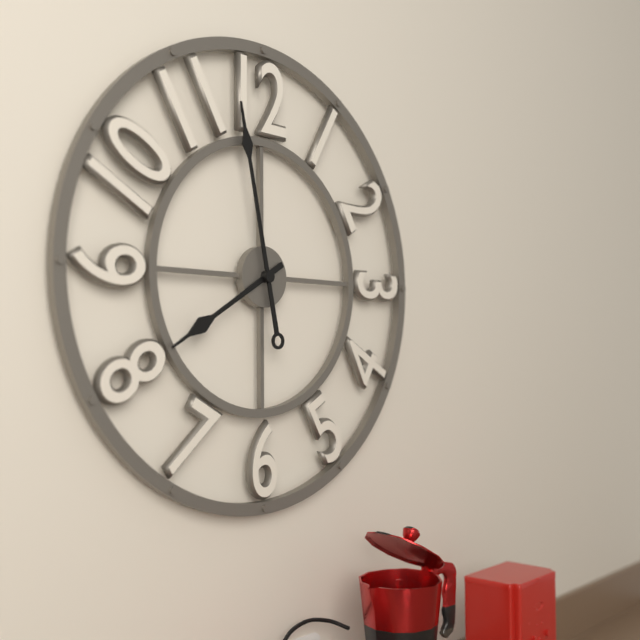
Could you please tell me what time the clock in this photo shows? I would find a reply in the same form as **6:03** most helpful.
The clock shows **7:58**
